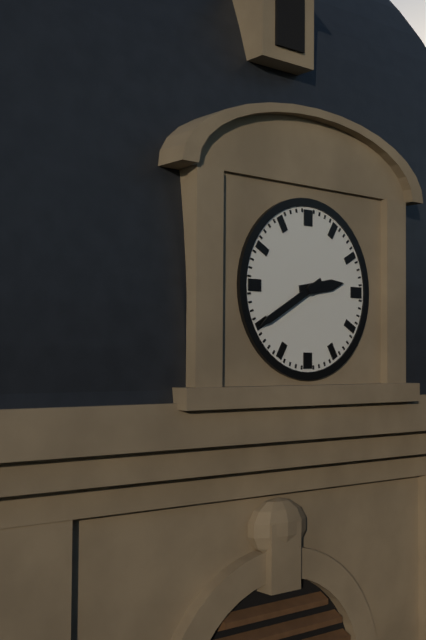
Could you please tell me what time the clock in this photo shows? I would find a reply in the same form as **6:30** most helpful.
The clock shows **2:40**
